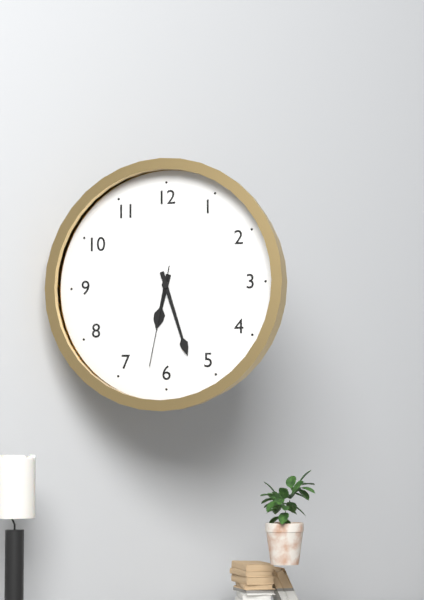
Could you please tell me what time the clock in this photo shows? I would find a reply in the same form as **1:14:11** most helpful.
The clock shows **6:27:32**
